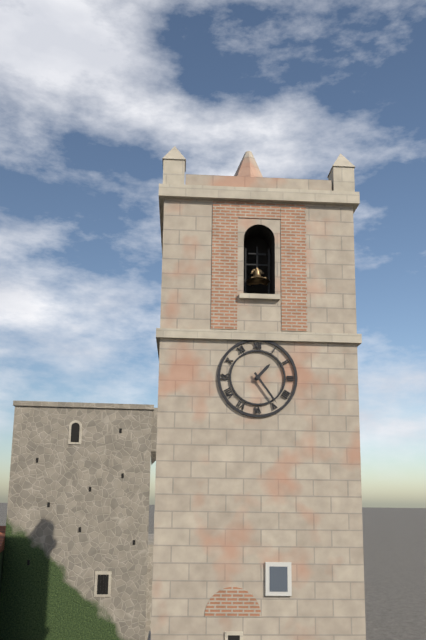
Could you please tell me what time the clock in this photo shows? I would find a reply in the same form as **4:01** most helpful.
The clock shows **1:24**
